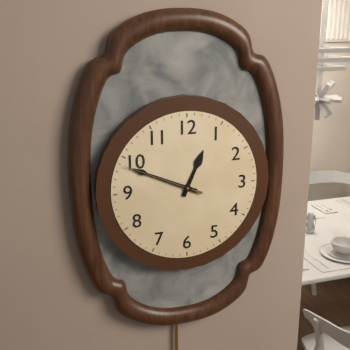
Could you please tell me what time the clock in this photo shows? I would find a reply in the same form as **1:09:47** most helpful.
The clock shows **12:49:49**
